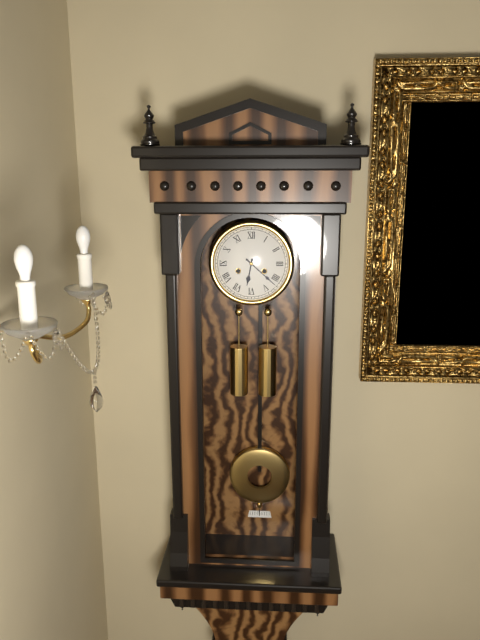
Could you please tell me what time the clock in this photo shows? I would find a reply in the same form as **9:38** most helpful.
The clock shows **6:22**
